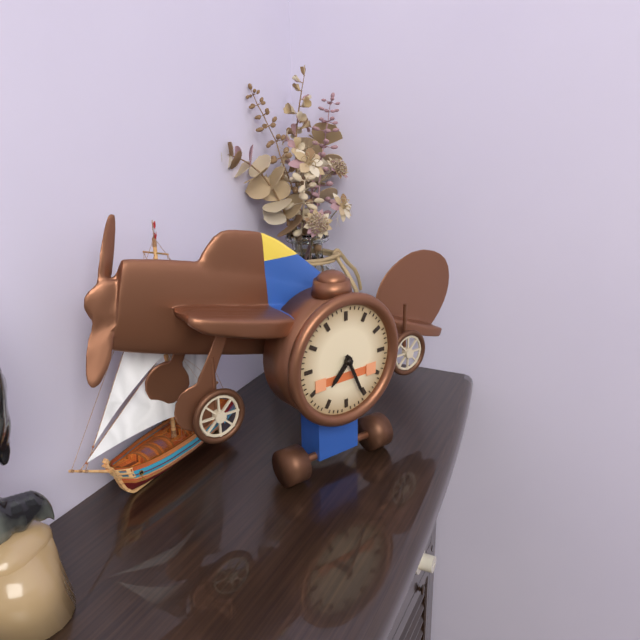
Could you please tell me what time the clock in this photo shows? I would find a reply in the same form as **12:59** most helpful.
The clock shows **7:26**
